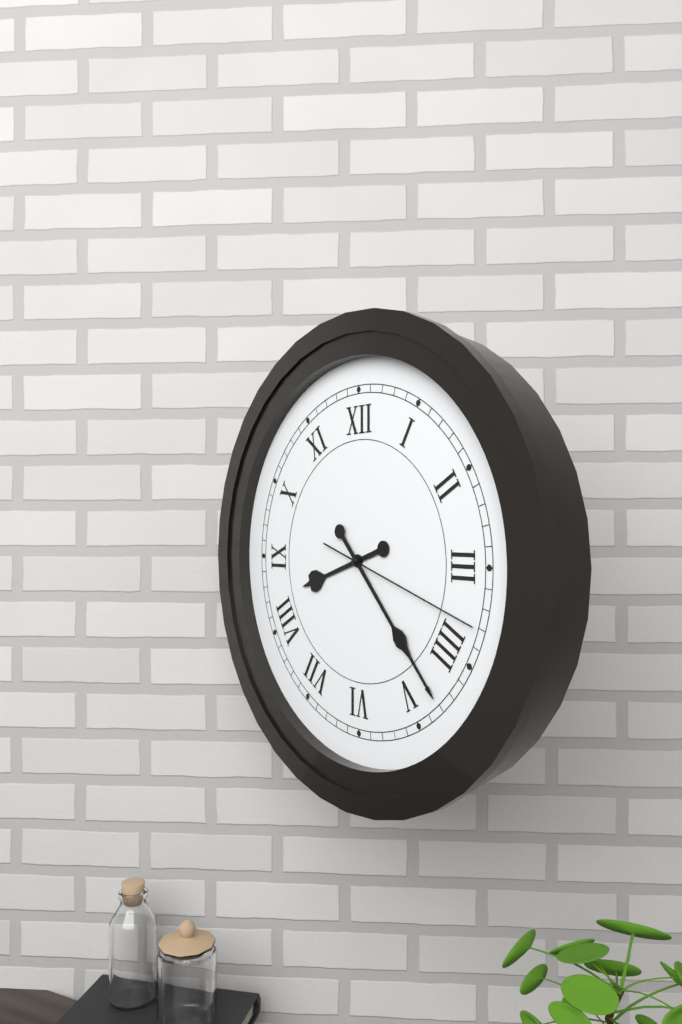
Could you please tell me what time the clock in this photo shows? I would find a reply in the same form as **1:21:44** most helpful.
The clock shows **8:23:18**
